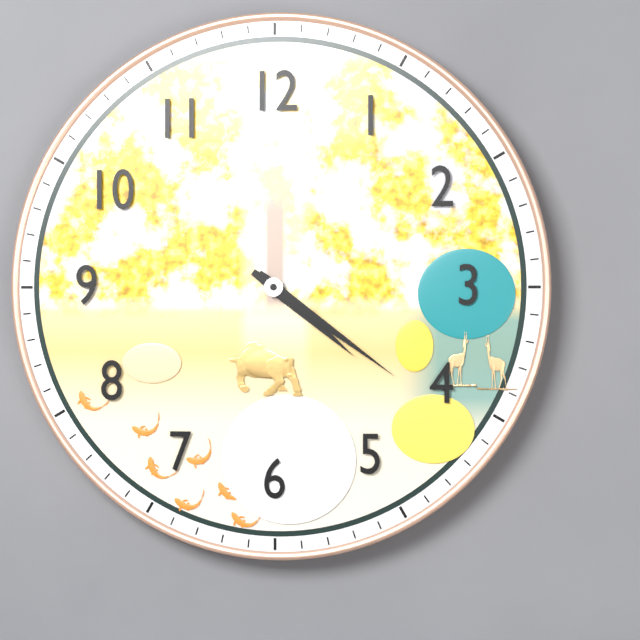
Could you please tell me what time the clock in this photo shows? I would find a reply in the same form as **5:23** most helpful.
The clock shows **4:21**
